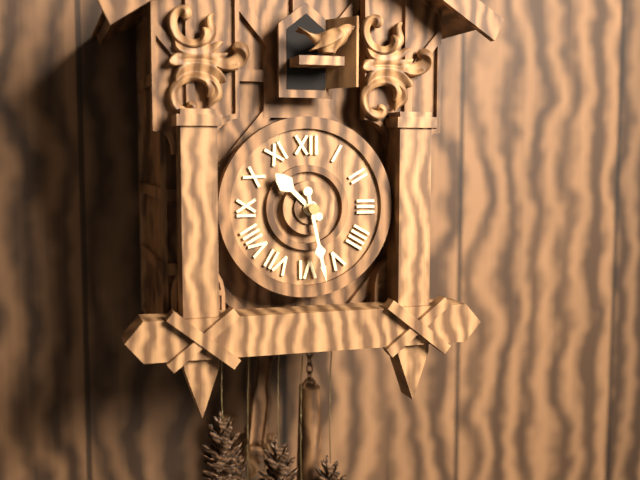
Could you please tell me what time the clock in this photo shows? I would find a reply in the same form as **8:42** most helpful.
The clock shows **10:28**
